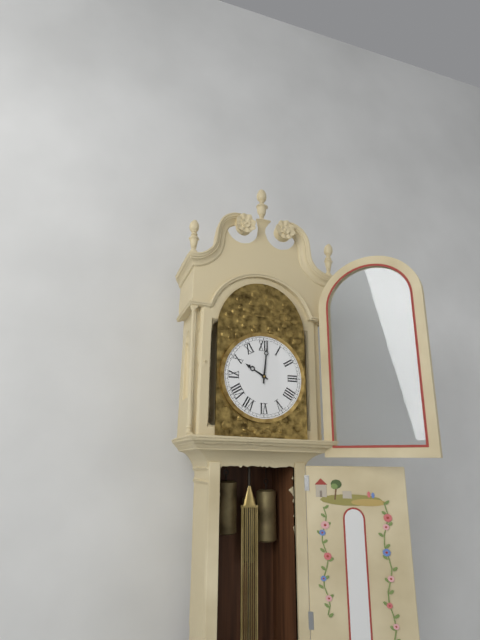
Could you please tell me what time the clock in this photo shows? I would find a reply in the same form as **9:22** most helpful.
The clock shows **10:01**
